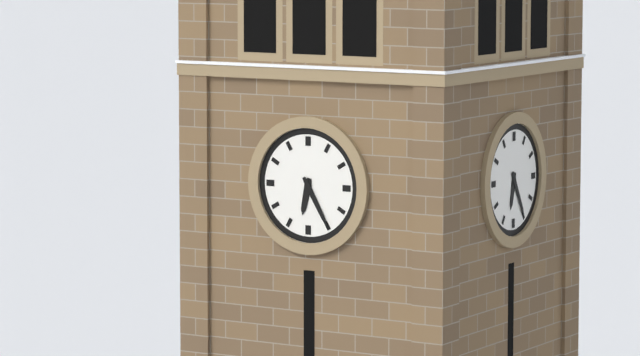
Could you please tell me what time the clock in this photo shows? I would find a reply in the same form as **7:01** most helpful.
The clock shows **6:25**
